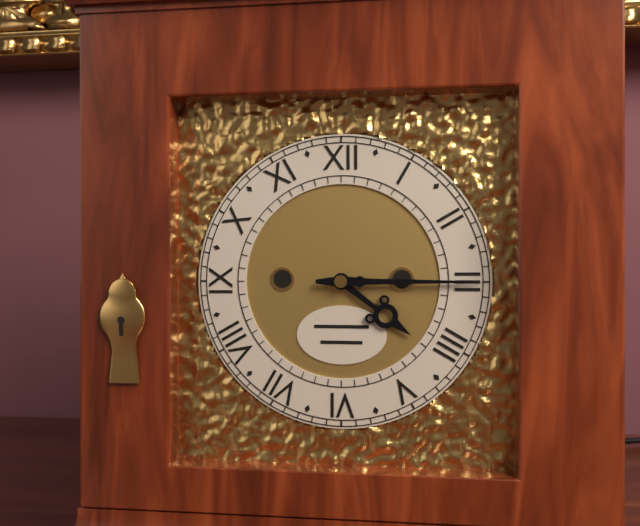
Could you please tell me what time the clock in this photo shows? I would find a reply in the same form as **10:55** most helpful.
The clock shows **4:15**
